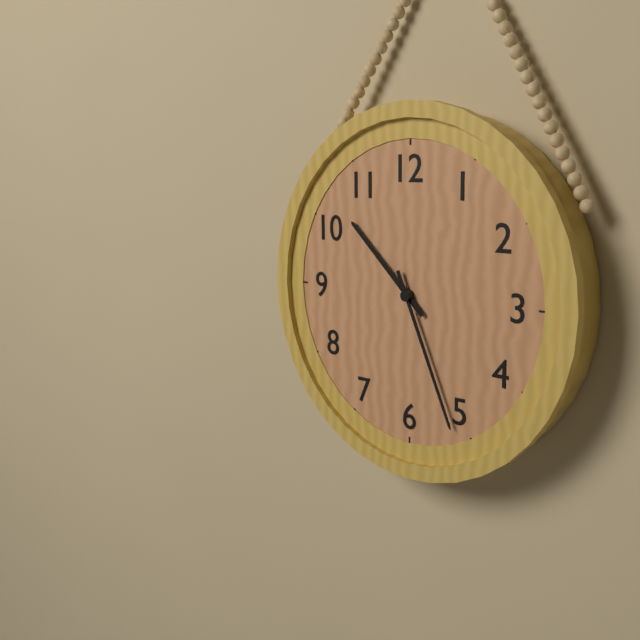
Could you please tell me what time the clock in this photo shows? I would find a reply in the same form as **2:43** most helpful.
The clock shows **10:26**
